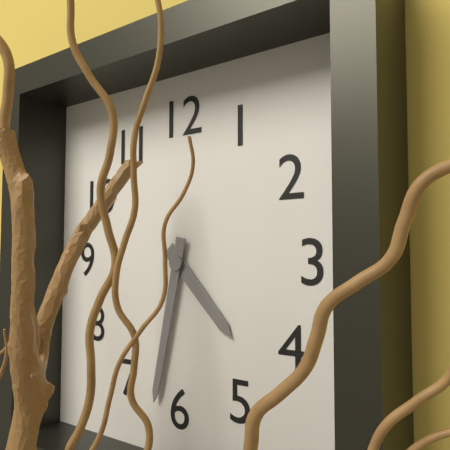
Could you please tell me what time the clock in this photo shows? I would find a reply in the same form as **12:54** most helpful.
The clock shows **4:32**
